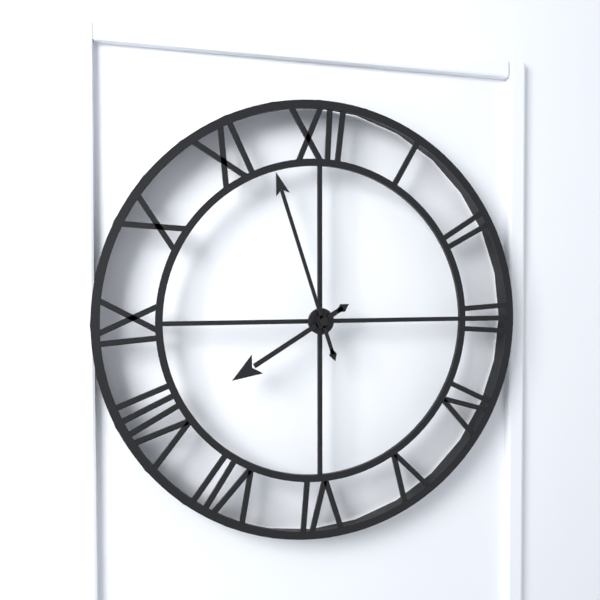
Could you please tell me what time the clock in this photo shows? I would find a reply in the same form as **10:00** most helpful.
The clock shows **7:57**
